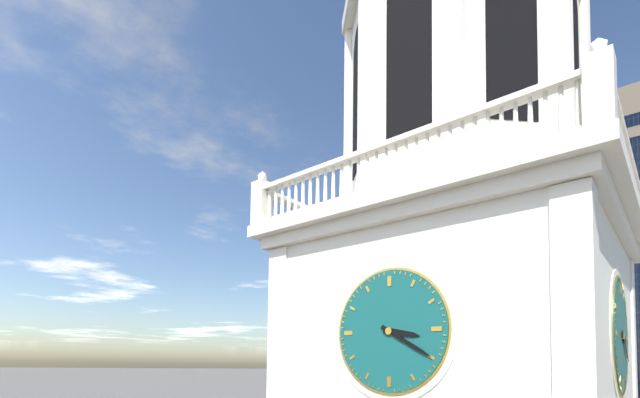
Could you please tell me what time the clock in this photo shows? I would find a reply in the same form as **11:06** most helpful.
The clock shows **3:20**
